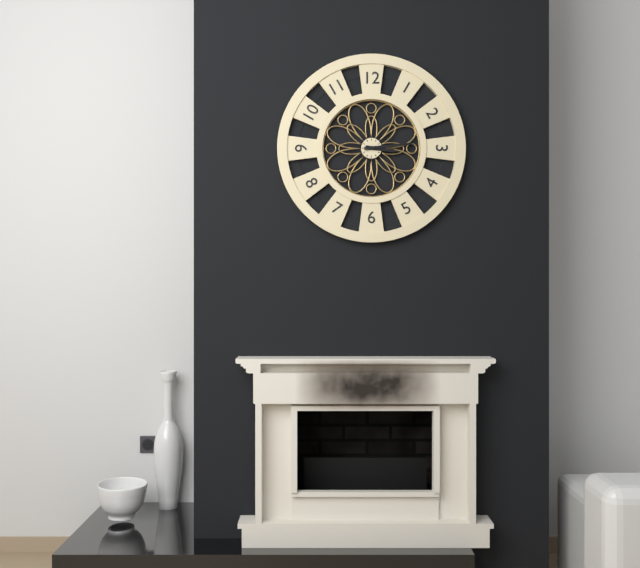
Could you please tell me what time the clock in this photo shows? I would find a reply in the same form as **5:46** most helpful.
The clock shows **3:14**
